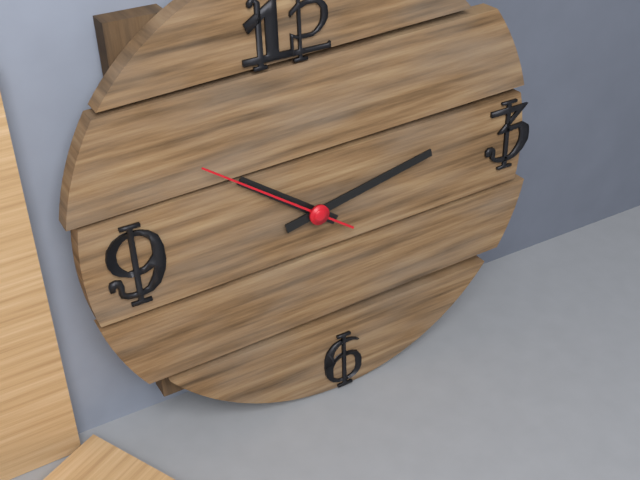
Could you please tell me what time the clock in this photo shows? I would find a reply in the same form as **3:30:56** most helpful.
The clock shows **10:13:51**
